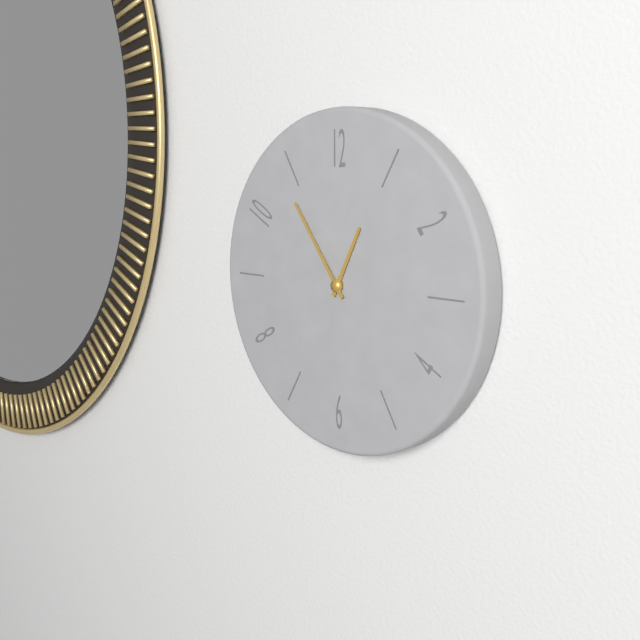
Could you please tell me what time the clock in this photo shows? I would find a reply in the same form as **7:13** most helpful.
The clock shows **12:54**
